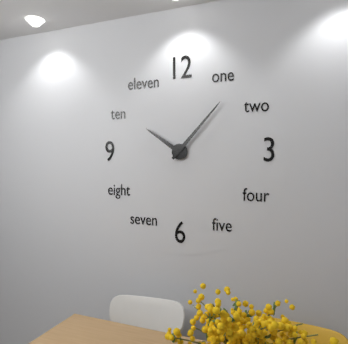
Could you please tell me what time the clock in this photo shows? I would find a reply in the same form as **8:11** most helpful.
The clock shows **10:07**
